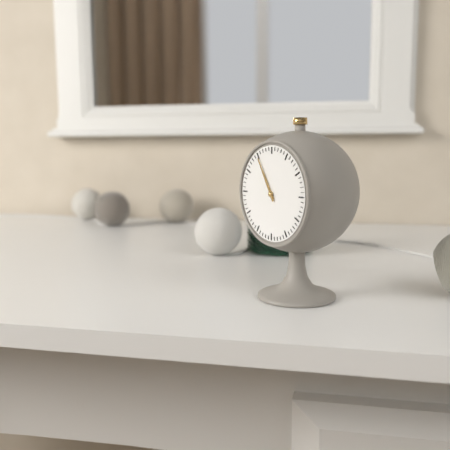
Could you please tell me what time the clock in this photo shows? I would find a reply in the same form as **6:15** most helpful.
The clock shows **10:55**
